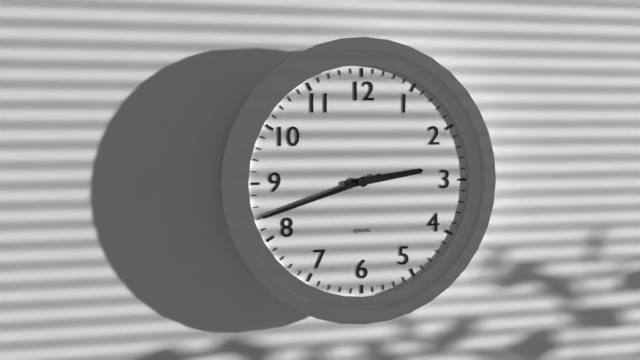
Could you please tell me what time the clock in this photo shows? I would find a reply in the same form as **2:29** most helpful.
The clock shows **2:42**
